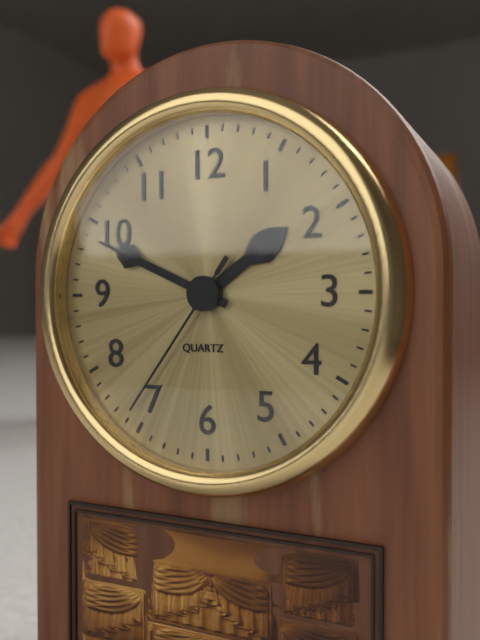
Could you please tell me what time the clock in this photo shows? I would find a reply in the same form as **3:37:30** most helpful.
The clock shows **1:49:36**
